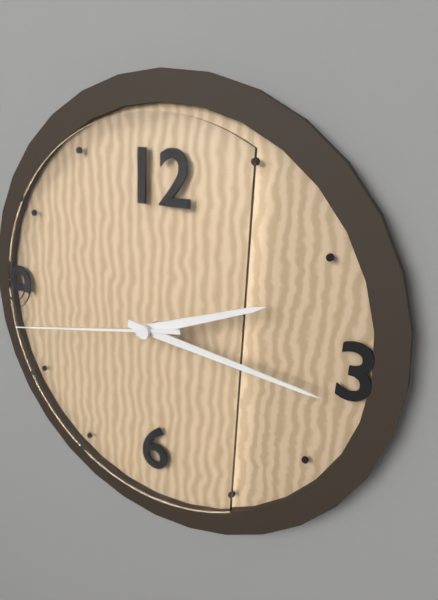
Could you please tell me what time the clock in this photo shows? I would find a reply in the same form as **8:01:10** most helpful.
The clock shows **2:16:43**
